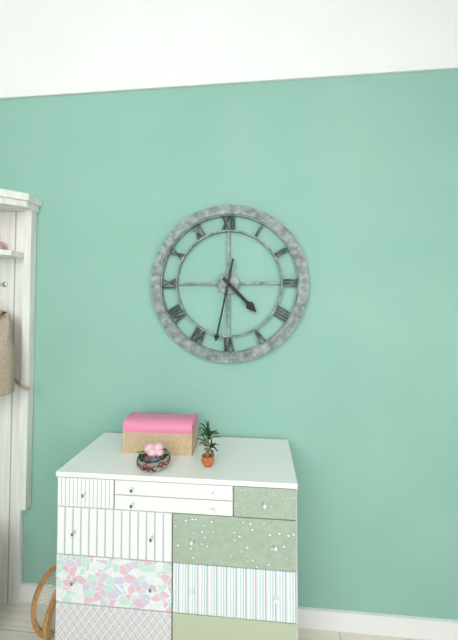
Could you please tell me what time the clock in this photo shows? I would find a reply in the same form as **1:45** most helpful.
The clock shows **4:32**
